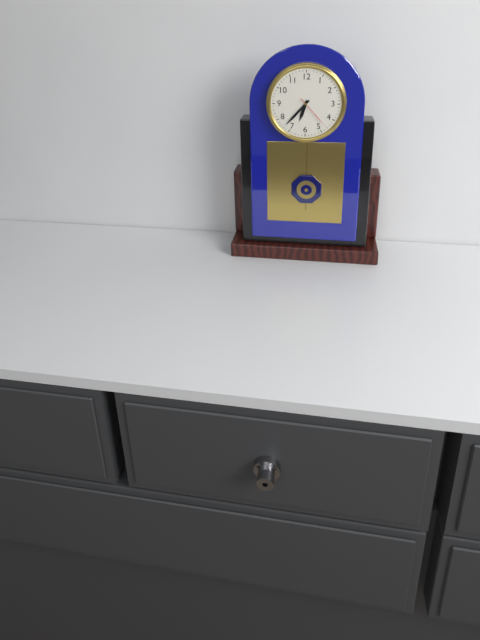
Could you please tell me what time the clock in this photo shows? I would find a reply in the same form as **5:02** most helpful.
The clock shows **6:37**
